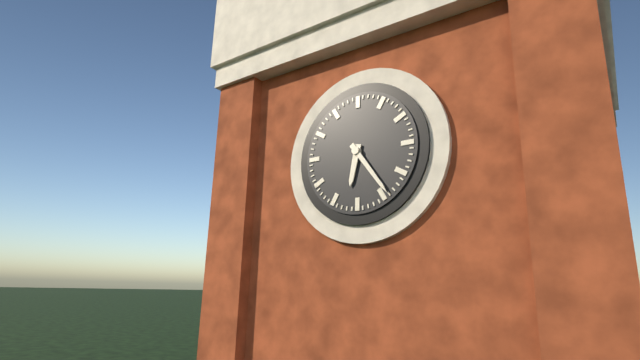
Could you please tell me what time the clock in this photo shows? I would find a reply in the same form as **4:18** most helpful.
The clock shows **6:24**
